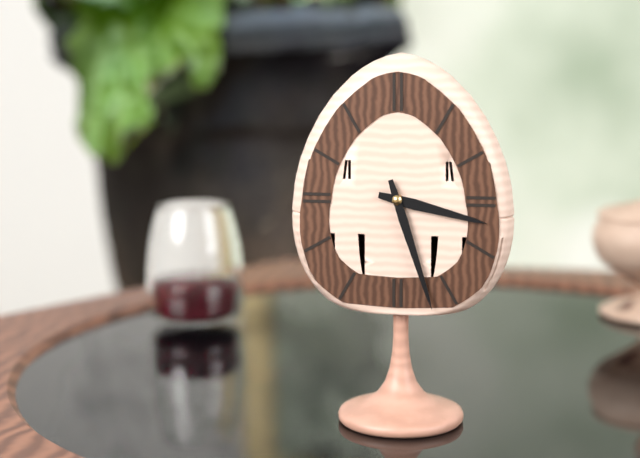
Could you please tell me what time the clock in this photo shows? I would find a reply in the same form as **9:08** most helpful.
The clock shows **3:27**
